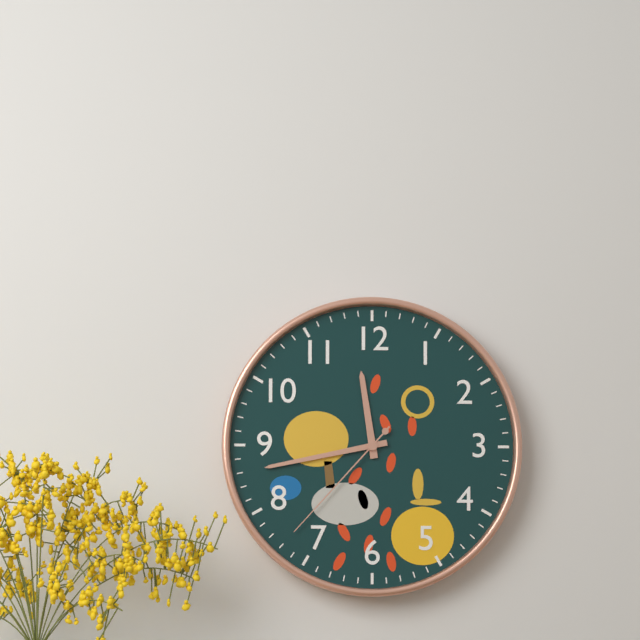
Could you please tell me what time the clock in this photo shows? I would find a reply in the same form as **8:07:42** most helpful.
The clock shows **11:43:37**
